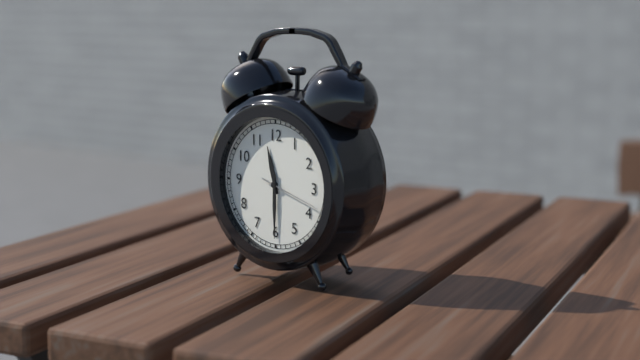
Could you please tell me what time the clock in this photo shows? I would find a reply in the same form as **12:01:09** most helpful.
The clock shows **11:30:18**
